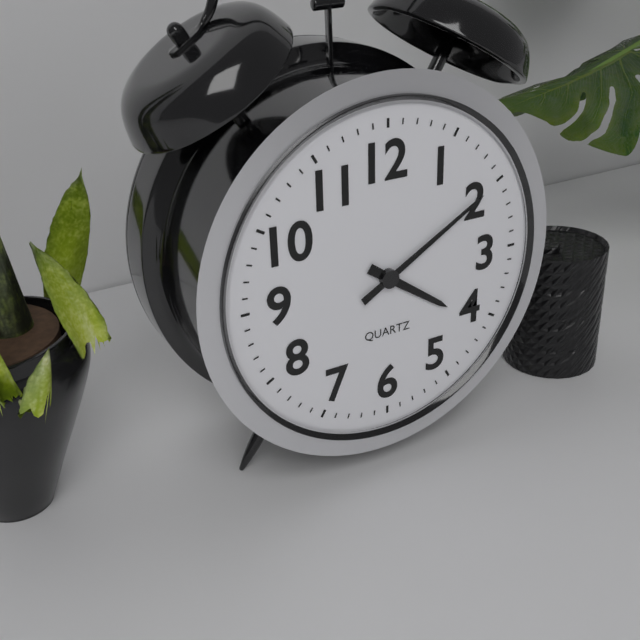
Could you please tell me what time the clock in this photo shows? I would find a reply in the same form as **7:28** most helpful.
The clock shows **4:10**
